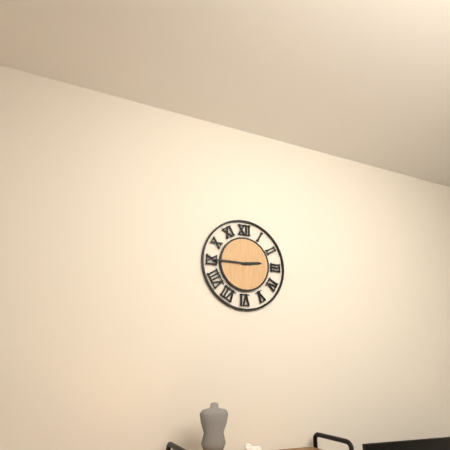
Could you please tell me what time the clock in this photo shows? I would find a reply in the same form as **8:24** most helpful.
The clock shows **2:45**
